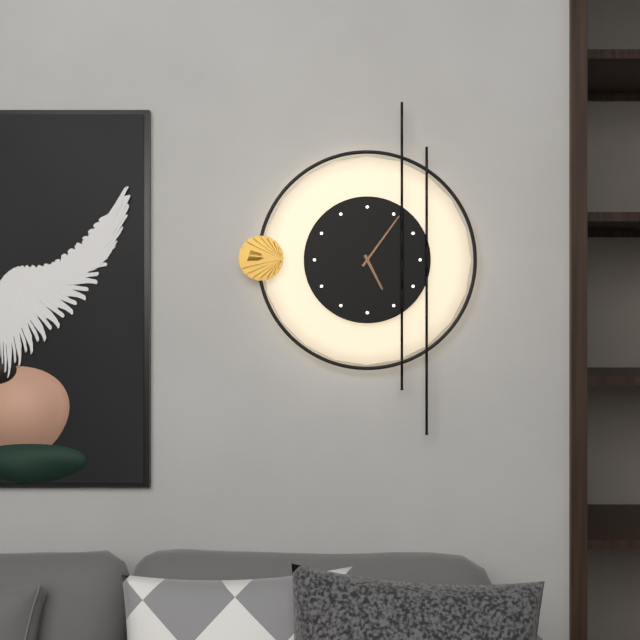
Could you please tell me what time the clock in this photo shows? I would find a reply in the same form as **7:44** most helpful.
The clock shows **5:06**
